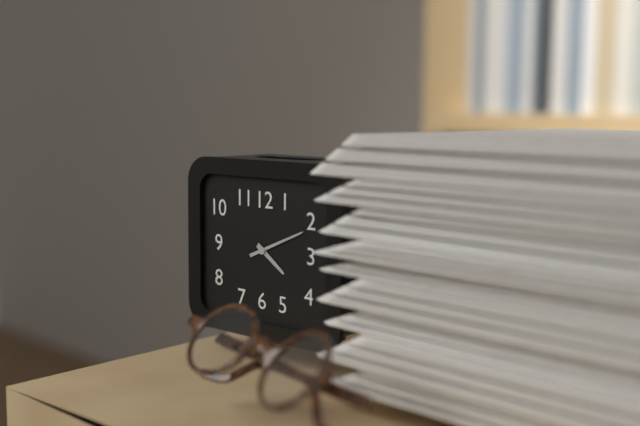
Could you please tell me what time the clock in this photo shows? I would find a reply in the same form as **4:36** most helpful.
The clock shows **4:11**
